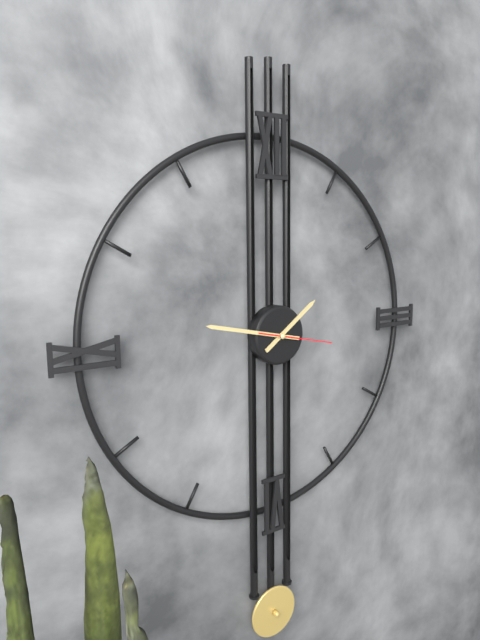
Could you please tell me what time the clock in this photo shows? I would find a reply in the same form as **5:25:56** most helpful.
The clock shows **1:47:17**
